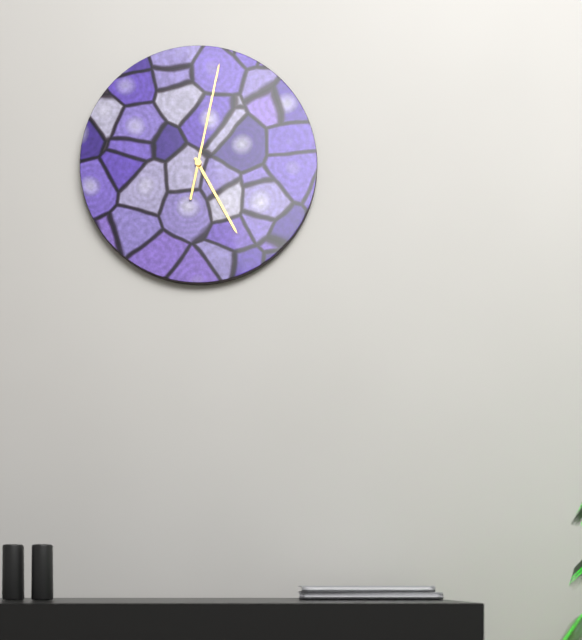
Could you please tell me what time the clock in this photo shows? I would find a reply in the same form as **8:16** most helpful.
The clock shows **5:02**
